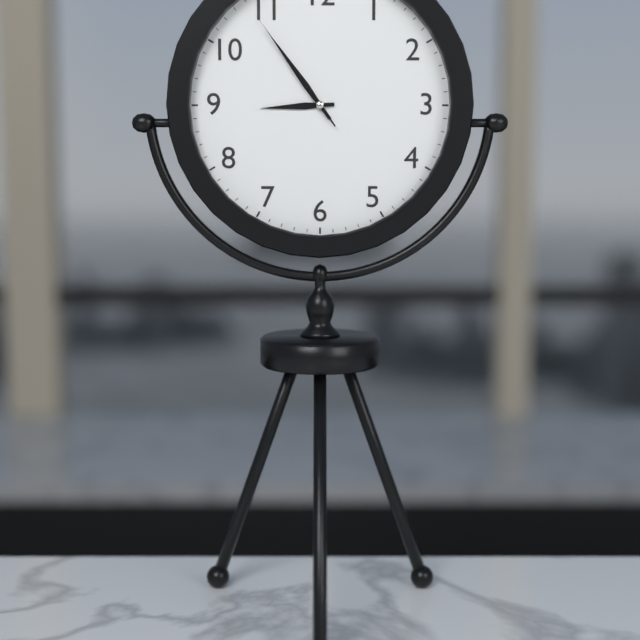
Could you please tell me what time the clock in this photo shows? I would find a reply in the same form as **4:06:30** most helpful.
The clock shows **8:54:54**
